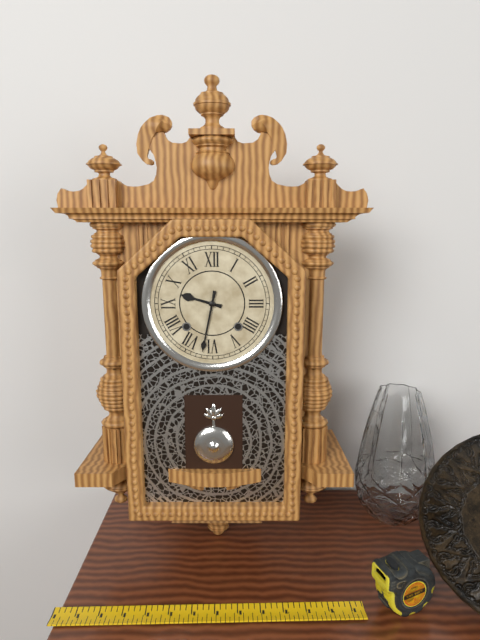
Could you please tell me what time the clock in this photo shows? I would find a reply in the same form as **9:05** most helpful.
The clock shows **9:32**
